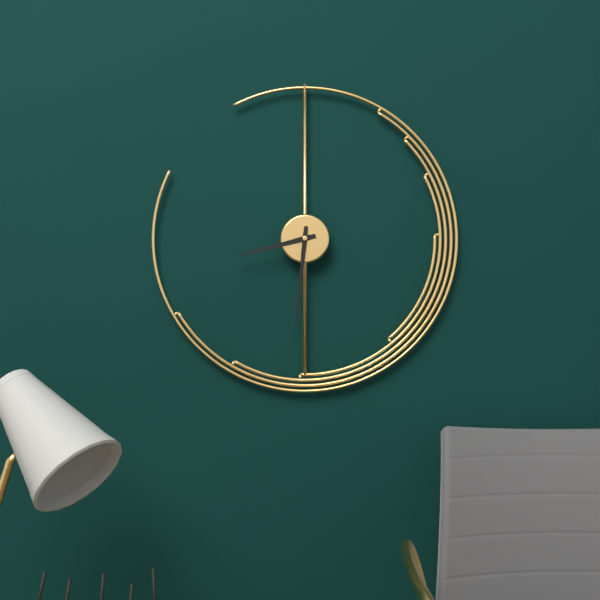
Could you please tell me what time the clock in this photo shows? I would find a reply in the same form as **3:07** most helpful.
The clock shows **8:31**
